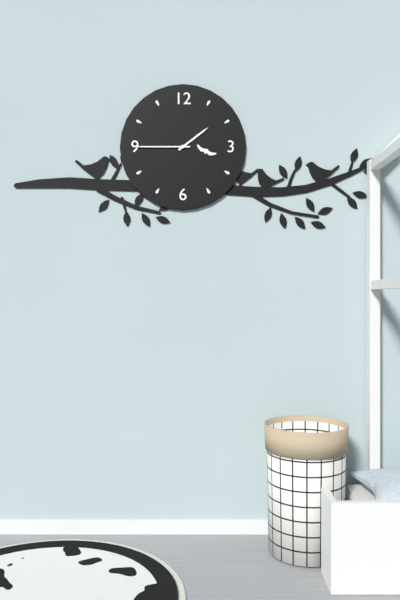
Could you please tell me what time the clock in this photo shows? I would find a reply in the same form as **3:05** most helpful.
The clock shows **1:45**
